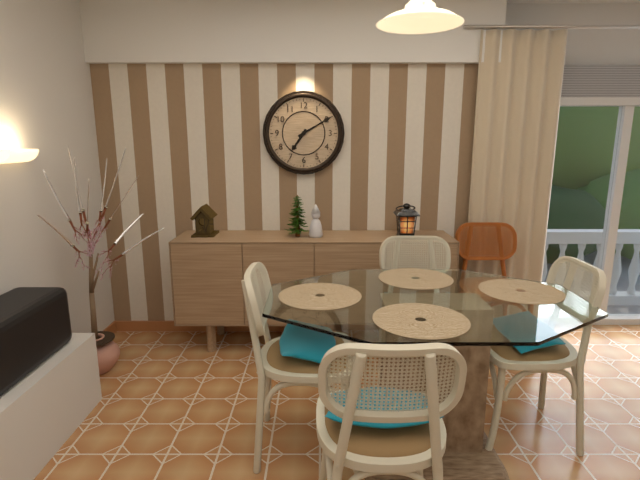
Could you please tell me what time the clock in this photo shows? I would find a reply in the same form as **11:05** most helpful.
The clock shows **7:10**
